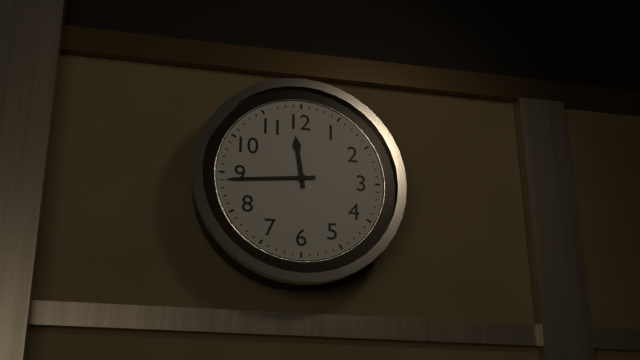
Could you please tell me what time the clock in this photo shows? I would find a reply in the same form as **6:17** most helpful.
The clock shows **11:44**
